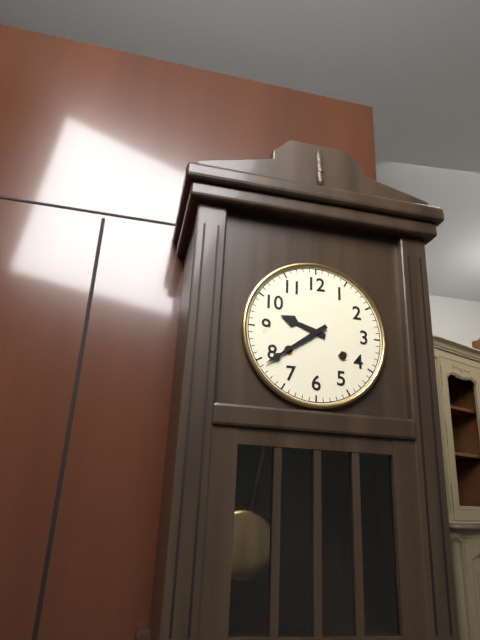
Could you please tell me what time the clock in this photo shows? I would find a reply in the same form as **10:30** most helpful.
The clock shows **9:39**
